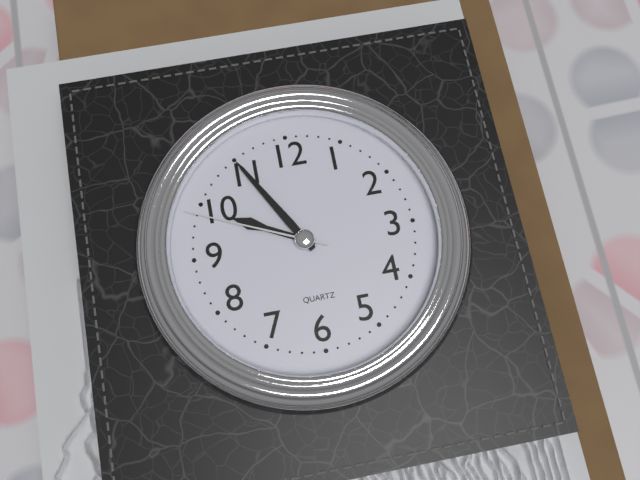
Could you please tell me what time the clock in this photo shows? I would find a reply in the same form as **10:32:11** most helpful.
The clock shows **9:55:49**
